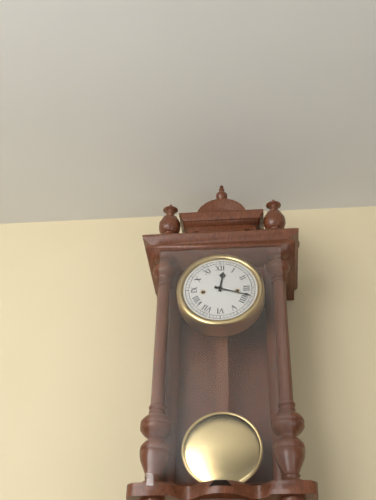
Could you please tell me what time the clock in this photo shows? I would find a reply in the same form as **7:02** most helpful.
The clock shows **12:18**
